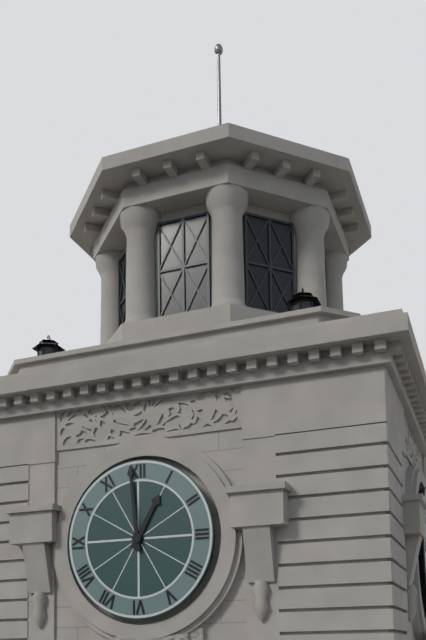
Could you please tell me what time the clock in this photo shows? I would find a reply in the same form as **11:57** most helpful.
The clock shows **12:59**
